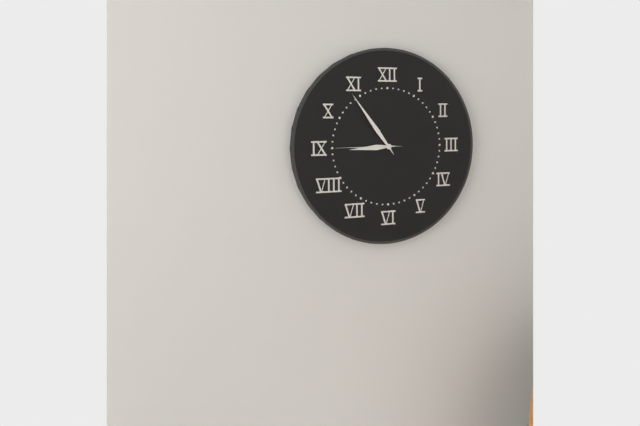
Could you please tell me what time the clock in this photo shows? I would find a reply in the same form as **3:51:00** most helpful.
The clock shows **8:54:45**
